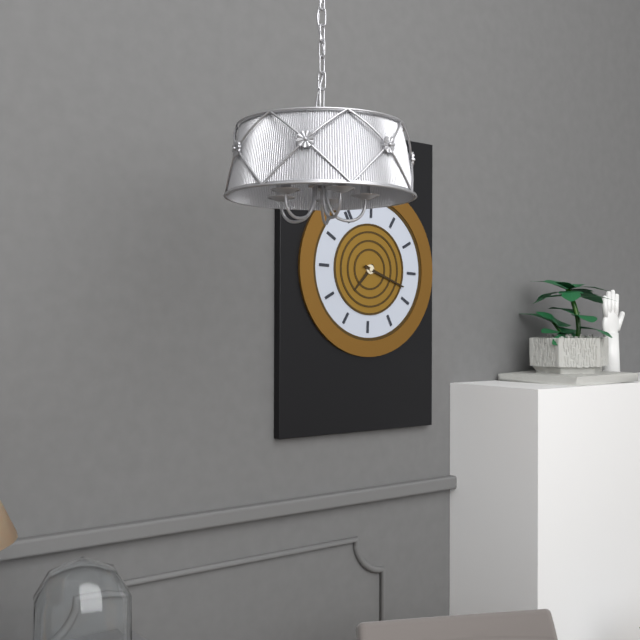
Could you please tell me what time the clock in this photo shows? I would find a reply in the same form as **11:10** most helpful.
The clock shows **8:23**
